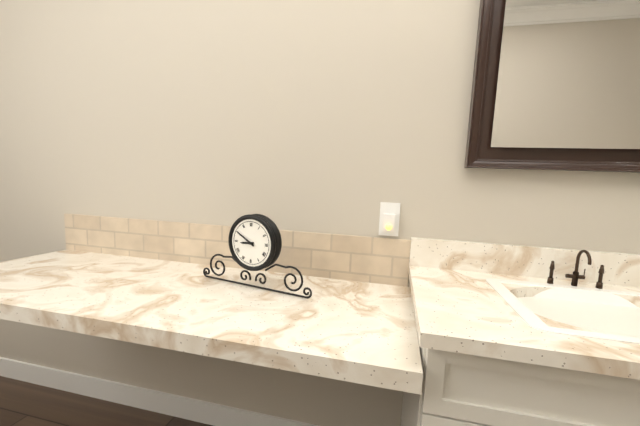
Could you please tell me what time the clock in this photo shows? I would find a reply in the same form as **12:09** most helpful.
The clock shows **8:50**
